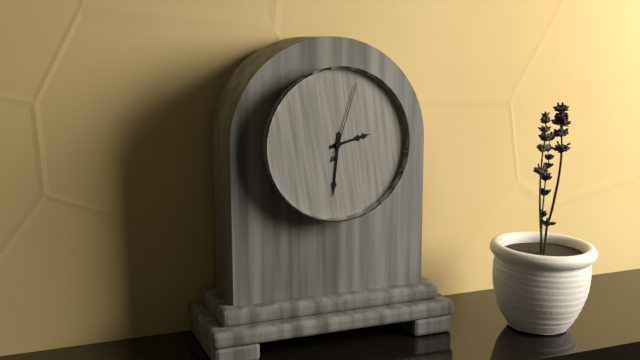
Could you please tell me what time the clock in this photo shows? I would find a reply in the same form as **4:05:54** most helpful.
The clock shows **2:31:03**
